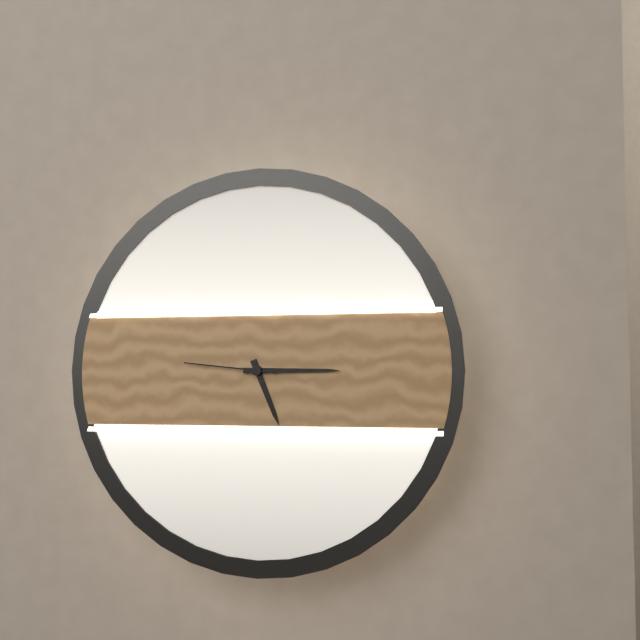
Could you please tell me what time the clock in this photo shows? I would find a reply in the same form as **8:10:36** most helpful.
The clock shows **5:15:46**
